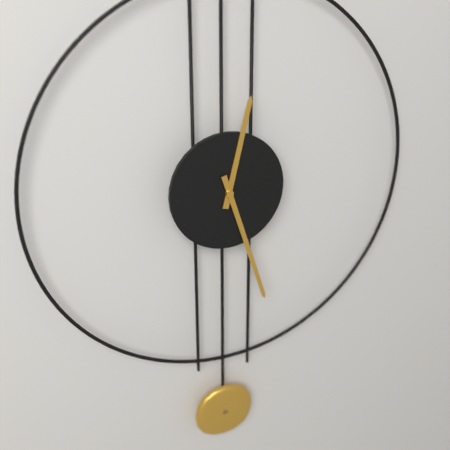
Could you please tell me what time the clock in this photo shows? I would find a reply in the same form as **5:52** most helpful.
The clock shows **12:27**
